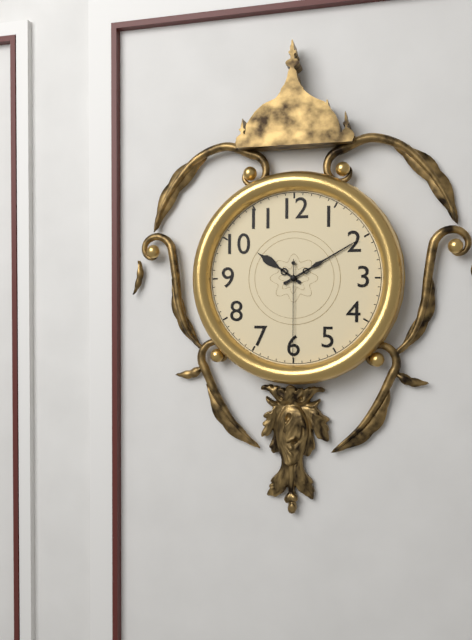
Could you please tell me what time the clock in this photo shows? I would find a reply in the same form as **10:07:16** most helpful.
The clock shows **10:10:30**
